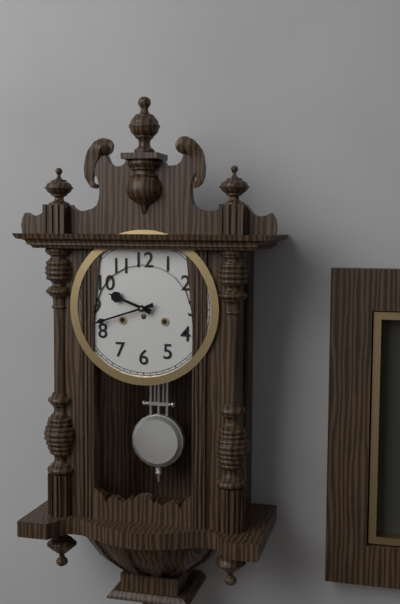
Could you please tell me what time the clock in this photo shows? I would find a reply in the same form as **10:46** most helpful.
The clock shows **9:42**
